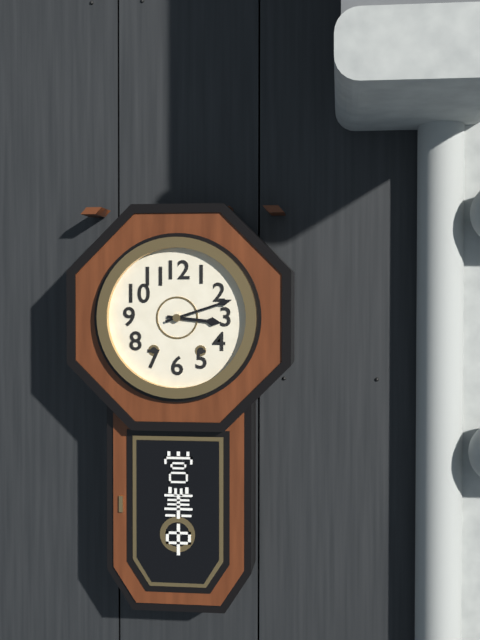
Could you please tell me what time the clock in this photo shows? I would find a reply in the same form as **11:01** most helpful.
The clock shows **3:12**
